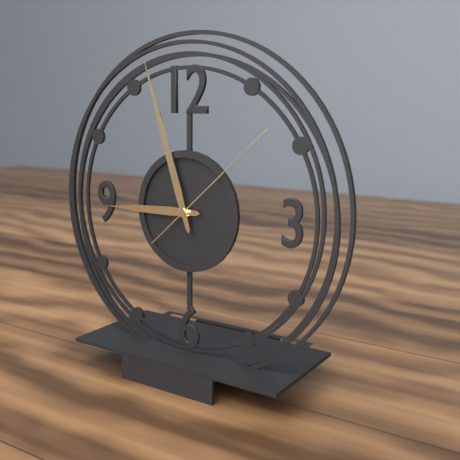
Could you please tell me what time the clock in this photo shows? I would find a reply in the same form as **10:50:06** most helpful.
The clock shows **8:57:08**
